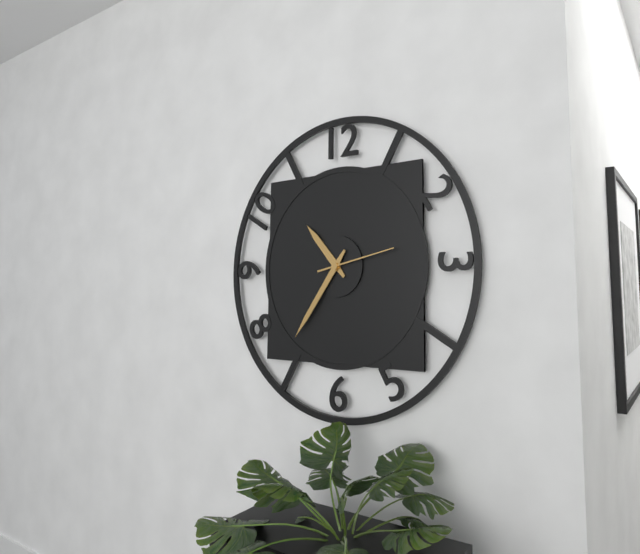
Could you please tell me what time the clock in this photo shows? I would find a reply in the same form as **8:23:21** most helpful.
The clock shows **10:36:13**
